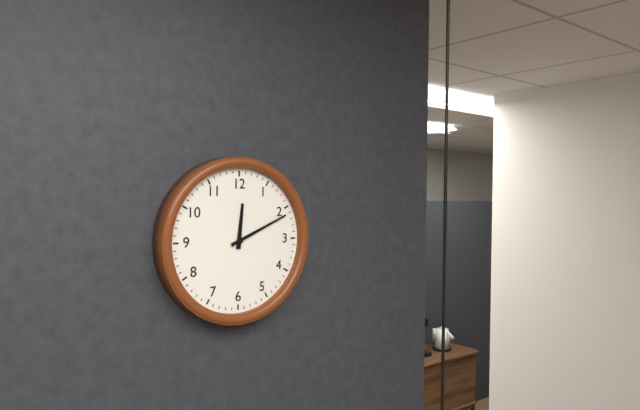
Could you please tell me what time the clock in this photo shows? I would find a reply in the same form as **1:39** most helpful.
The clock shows **12:11**
